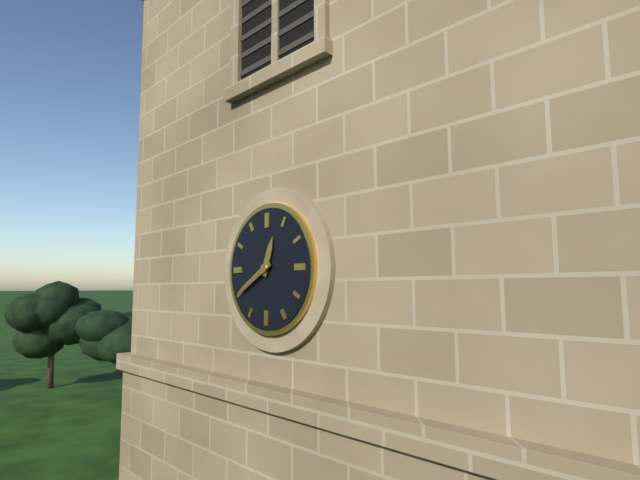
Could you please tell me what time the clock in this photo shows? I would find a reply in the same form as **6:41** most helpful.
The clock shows **12:40**
